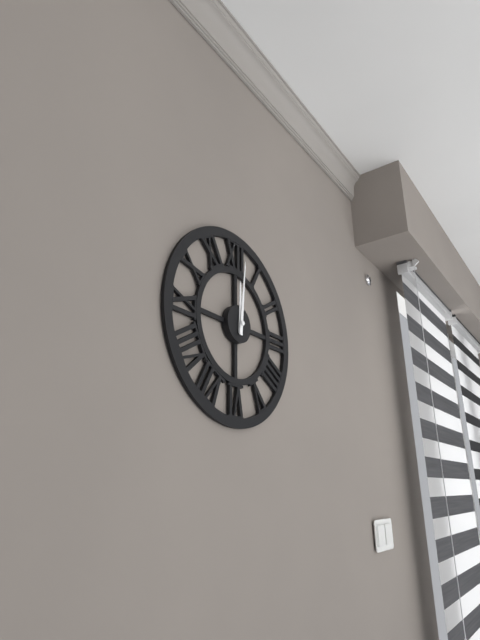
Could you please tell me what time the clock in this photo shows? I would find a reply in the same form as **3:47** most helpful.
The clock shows **12:01**
